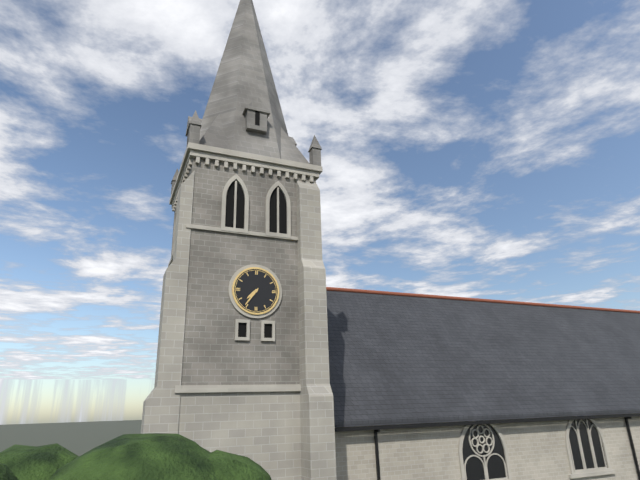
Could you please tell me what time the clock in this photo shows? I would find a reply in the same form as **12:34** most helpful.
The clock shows **7:36**
